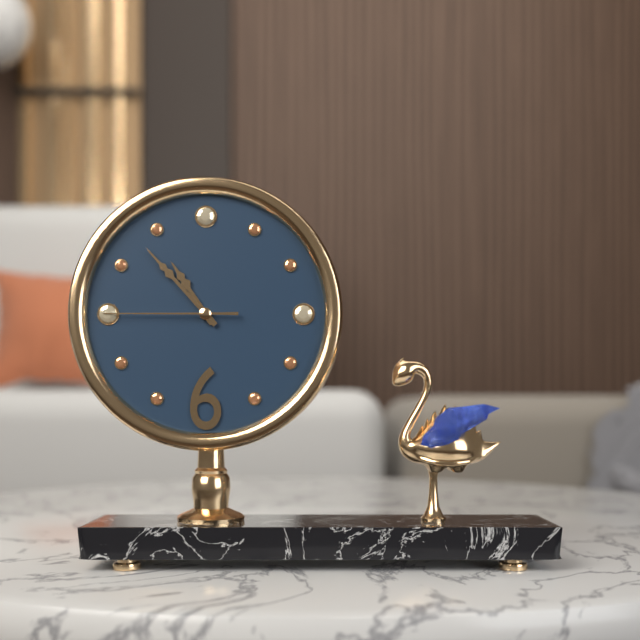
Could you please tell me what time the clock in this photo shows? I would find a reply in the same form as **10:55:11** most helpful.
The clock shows **10:53:45**
